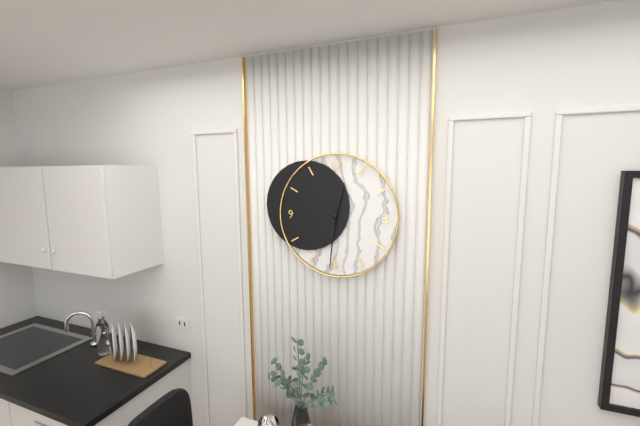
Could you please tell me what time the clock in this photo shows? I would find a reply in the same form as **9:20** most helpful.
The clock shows **12:31**
